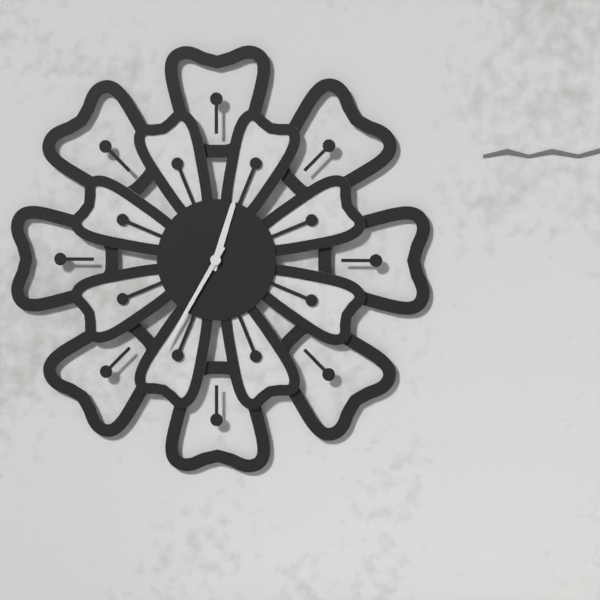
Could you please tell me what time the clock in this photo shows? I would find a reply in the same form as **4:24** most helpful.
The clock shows **12:35**
